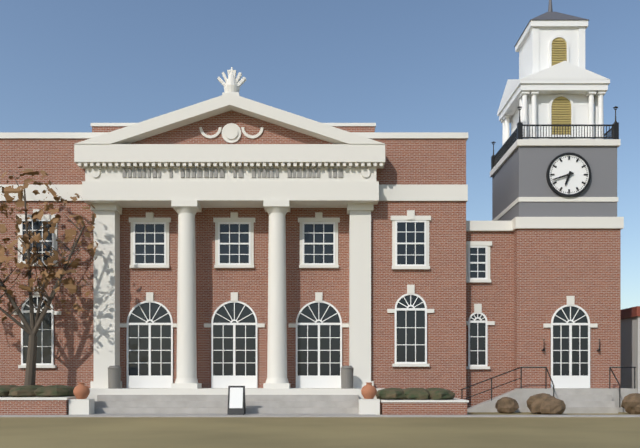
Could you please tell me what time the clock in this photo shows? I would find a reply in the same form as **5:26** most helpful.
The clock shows **6:42**
